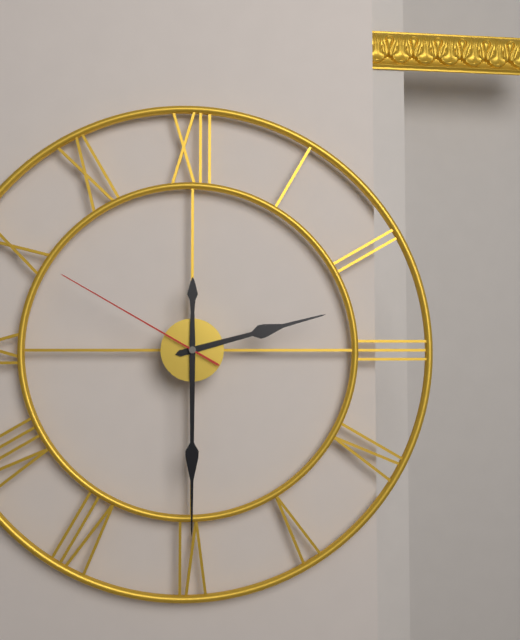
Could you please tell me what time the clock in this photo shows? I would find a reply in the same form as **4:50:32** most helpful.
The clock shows **2:30:50**
